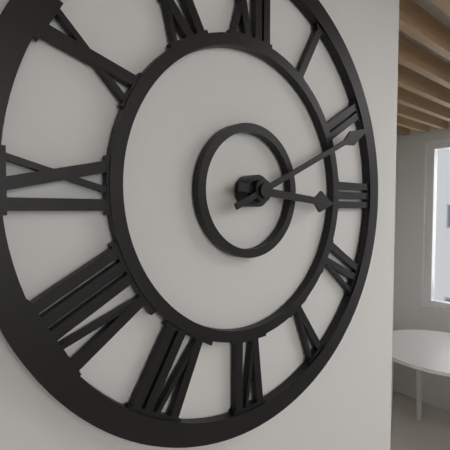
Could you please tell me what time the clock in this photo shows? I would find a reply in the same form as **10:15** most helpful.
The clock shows **3:11**
